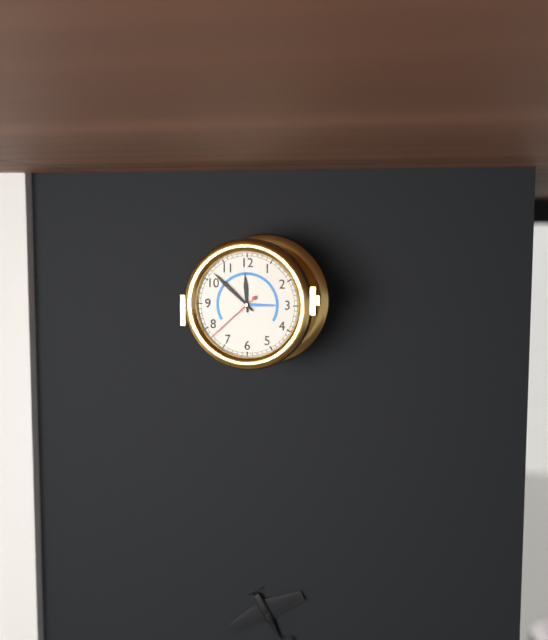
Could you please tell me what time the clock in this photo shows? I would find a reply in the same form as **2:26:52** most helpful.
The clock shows **11:52:38**
